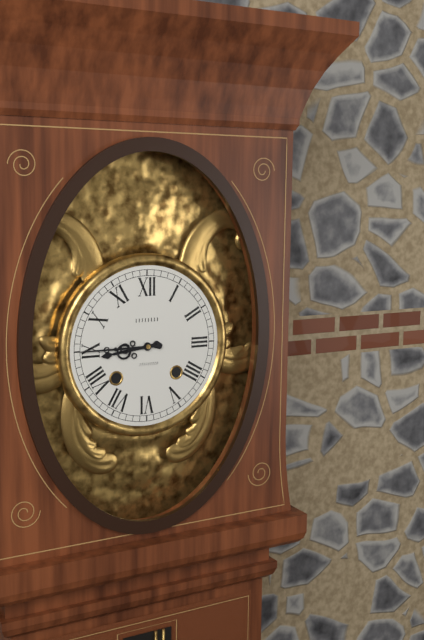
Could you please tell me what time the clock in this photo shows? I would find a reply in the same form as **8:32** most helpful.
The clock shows **8:45**
